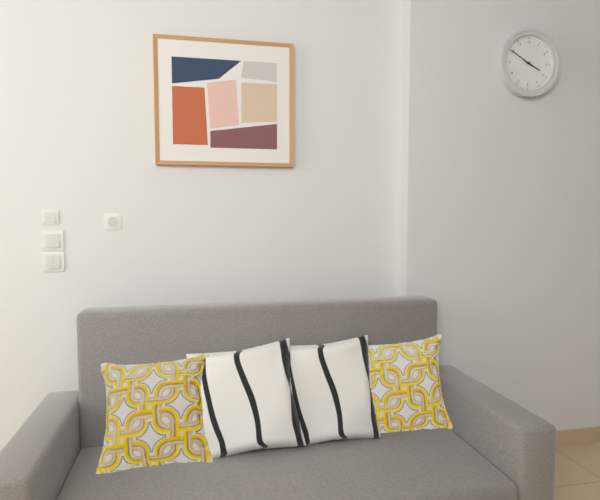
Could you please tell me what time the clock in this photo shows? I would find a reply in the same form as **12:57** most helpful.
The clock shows **3:50**
